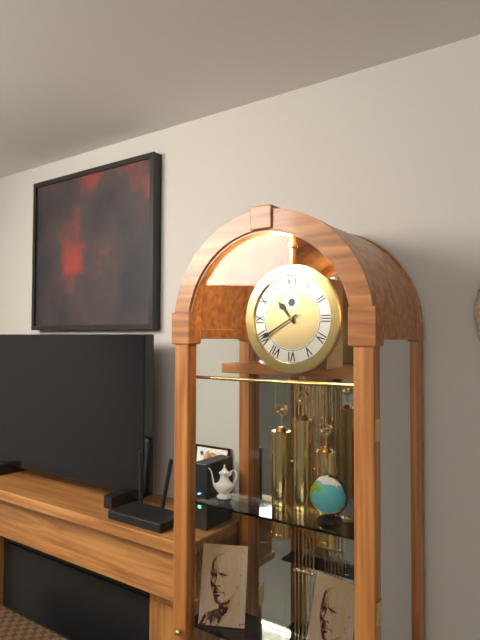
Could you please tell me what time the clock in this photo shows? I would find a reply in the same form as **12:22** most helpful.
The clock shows **10:40**
